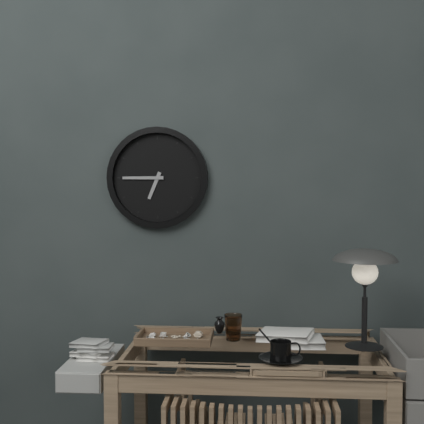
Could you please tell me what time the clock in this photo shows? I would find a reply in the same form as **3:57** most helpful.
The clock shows **6:45**
